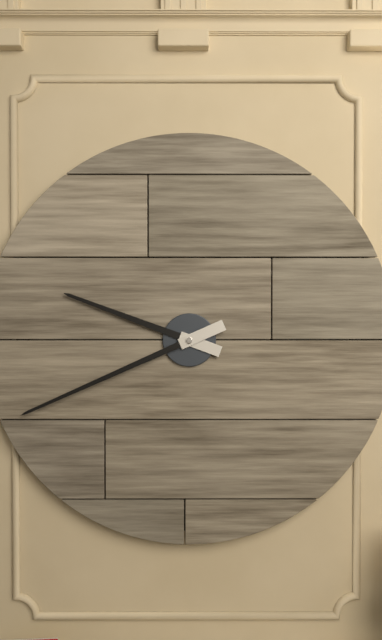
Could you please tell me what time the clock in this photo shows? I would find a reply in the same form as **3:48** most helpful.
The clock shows **9:41**
